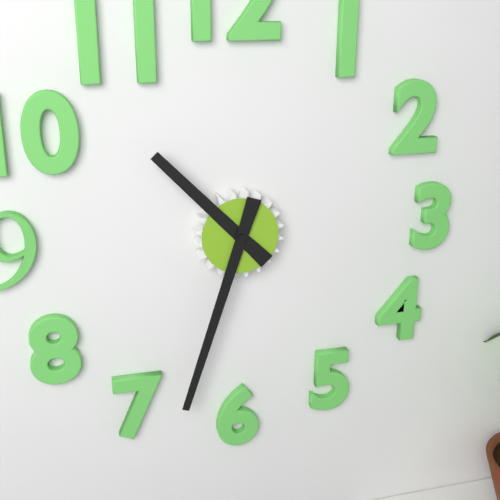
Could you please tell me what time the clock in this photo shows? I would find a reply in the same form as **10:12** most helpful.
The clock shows **10:33**
